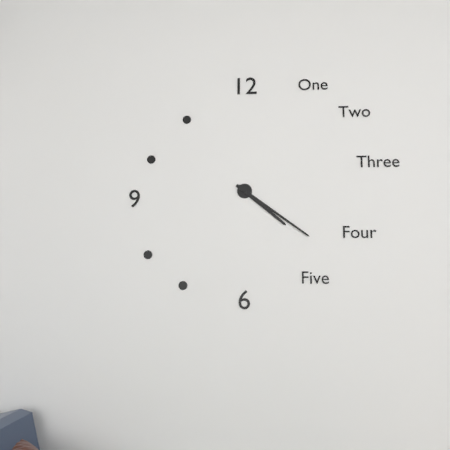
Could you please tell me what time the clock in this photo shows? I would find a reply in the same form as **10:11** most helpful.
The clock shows **4:21**
